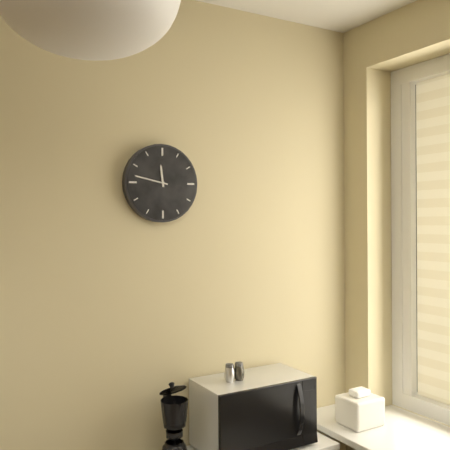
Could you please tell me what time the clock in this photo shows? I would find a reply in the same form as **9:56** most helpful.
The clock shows **11:47**
